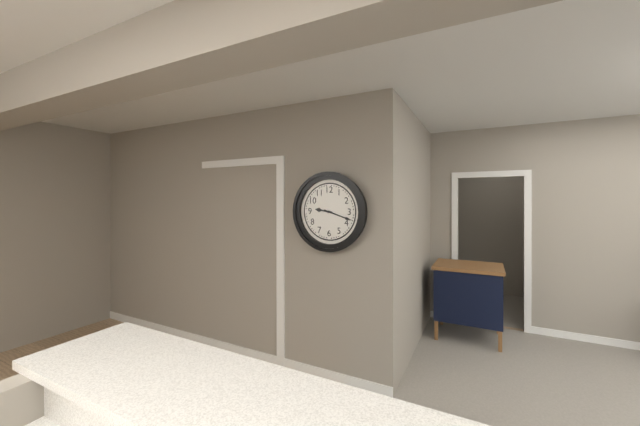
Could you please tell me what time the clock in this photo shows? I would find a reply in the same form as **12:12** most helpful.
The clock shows **9:18**
